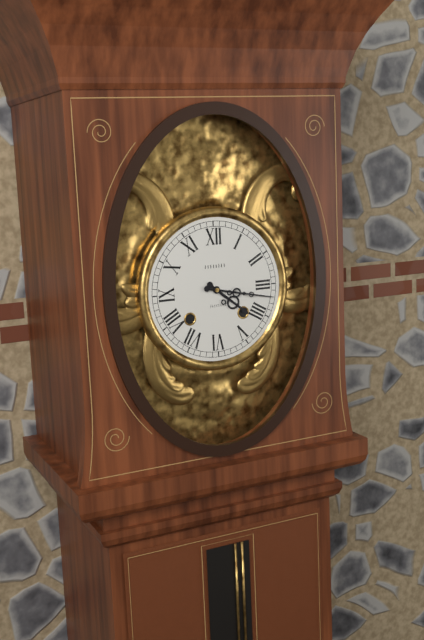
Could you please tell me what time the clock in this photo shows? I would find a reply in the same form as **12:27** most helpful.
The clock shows **4:17**
